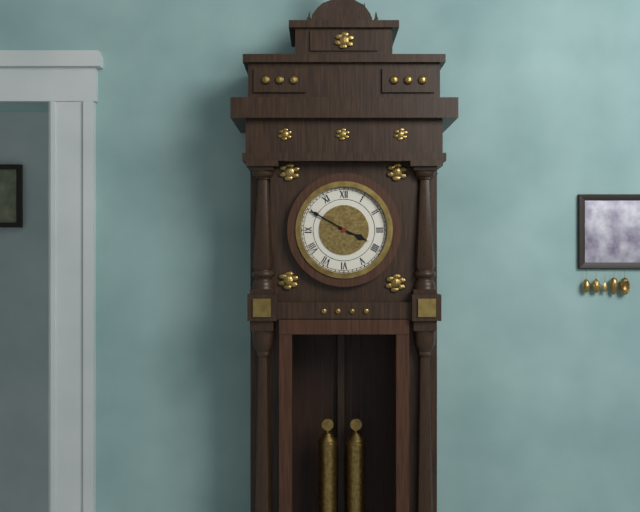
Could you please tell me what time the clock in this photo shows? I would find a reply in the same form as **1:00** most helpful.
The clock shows **3:50**
